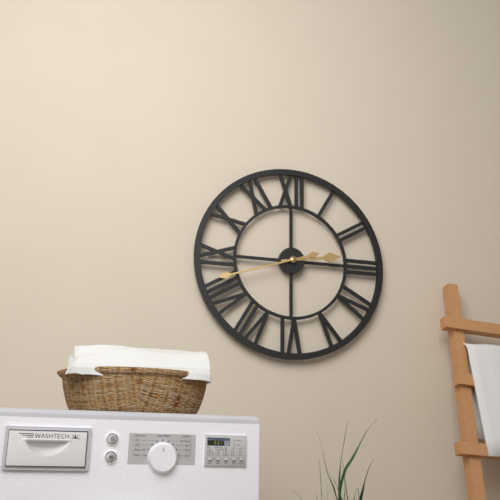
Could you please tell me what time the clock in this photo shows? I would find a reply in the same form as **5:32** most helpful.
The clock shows **2:42**
